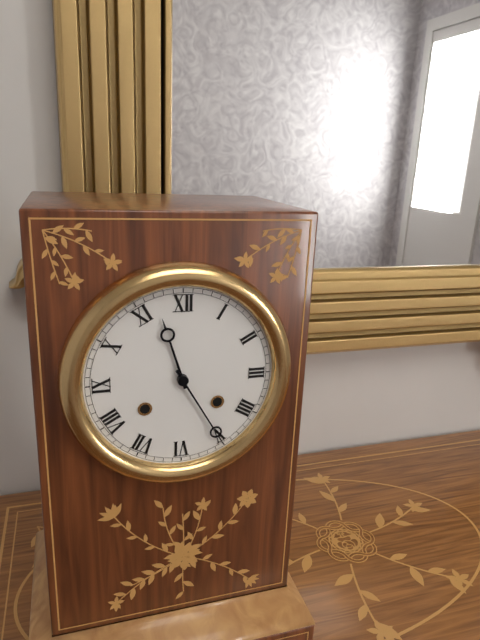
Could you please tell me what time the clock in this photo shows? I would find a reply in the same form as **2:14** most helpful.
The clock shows **11:25**
